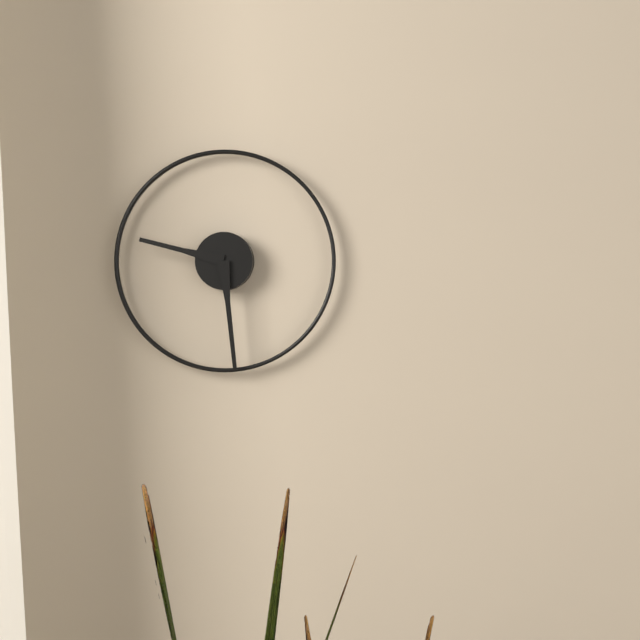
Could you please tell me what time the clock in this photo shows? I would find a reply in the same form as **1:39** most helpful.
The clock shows **9:29**
